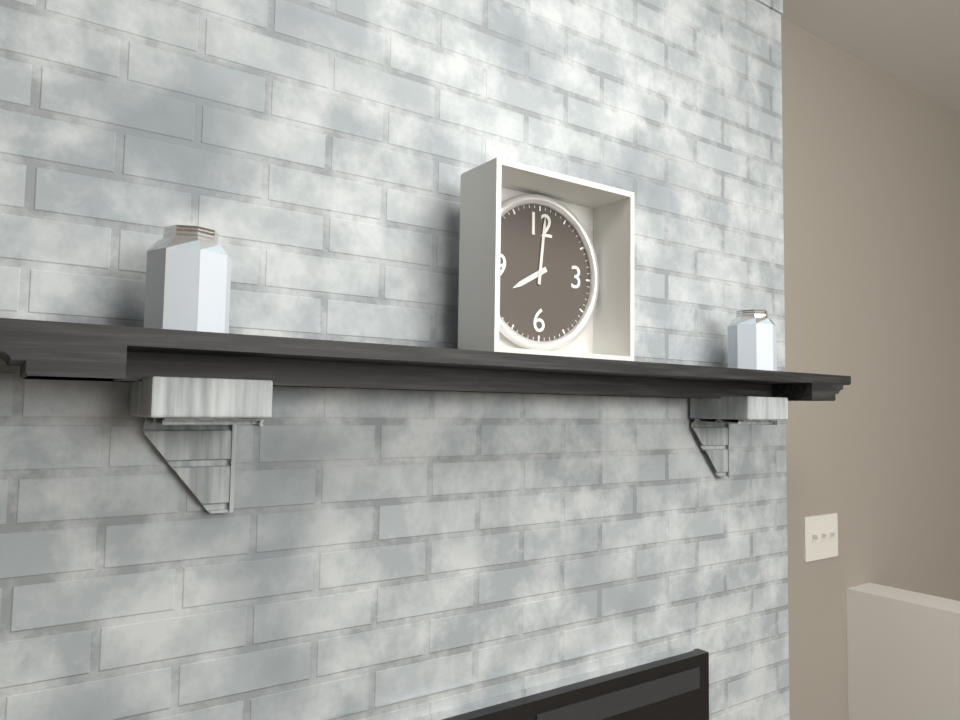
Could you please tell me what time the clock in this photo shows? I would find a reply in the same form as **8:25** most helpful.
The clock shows **8:01**
